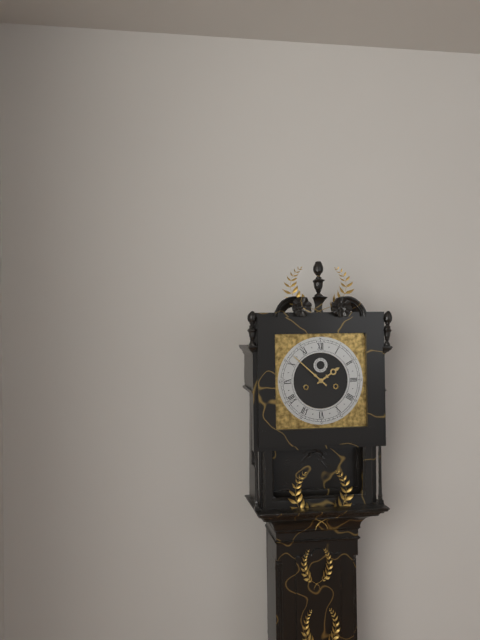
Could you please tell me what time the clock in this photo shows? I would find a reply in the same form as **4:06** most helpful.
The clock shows **1:52**
